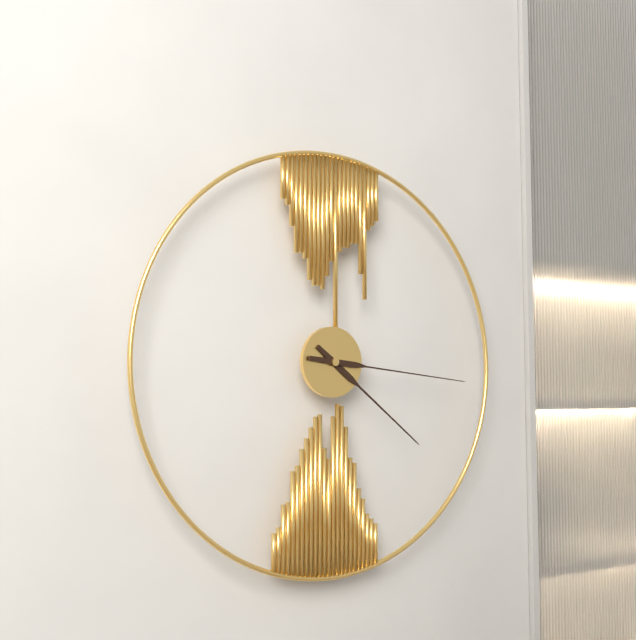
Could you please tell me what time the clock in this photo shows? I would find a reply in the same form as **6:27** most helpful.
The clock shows **4:16**
